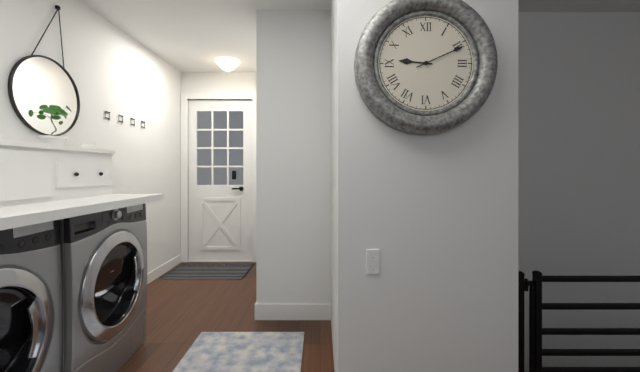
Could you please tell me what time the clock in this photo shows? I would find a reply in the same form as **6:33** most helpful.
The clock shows **9:11**
